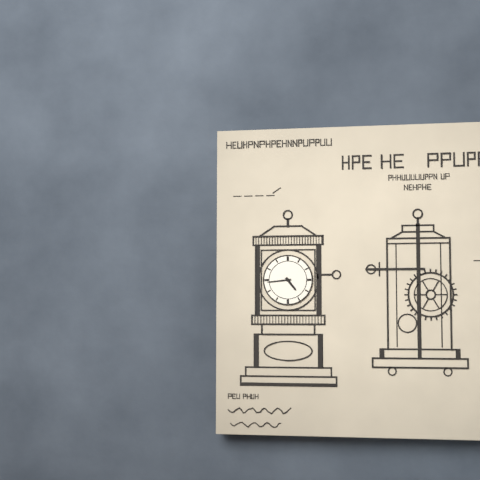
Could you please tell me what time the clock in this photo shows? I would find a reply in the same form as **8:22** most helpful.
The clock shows **4:44**
